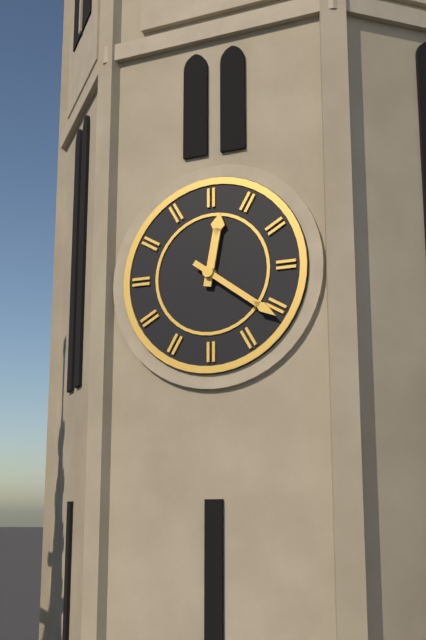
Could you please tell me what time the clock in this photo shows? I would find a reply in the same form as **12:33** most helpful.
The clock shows **12:21**
